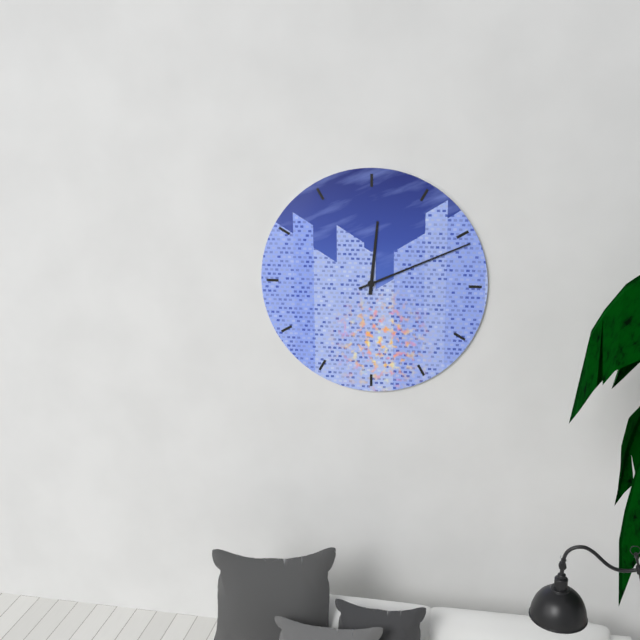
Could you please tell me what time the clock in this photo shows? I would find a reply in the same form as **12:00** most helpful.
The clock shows **12:11**
